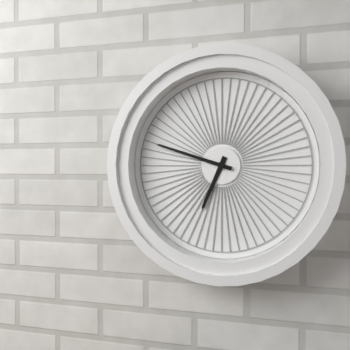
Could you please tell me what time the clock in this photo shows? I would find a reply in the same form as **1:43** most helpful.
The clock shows **6:48**
